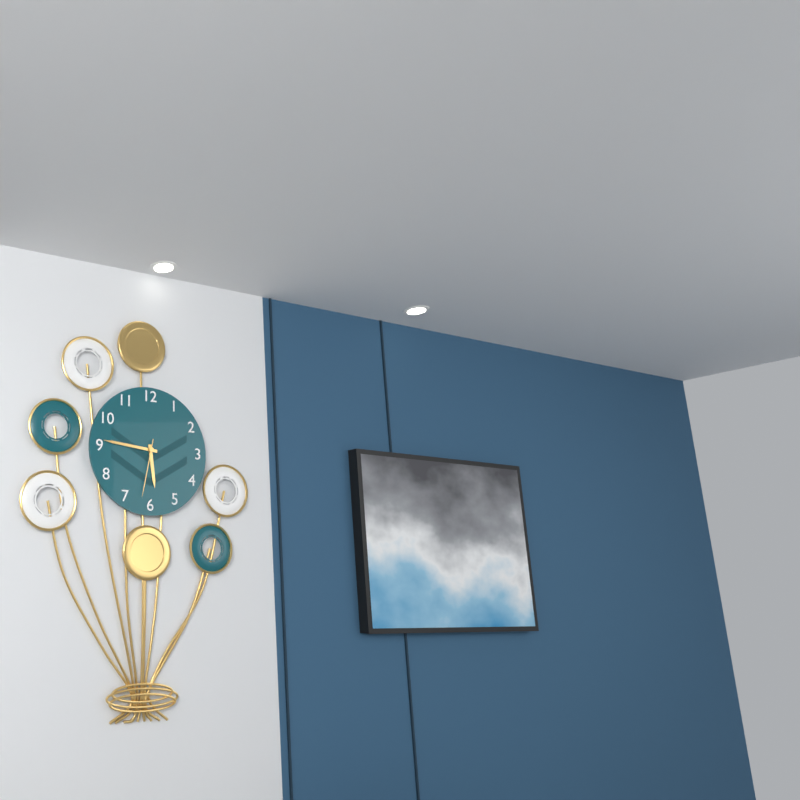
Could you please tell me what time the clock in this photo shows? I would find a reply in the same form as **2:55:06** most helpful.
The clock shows **5:46:32**
